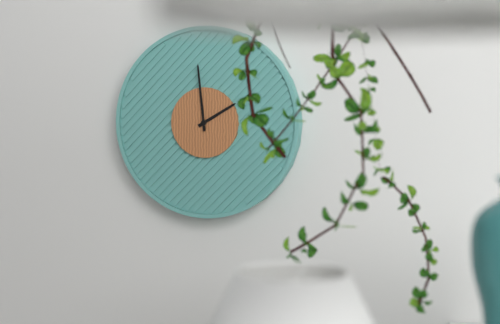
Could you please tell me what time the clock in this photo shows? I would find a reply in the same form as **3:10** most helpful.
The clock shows **1:59**
